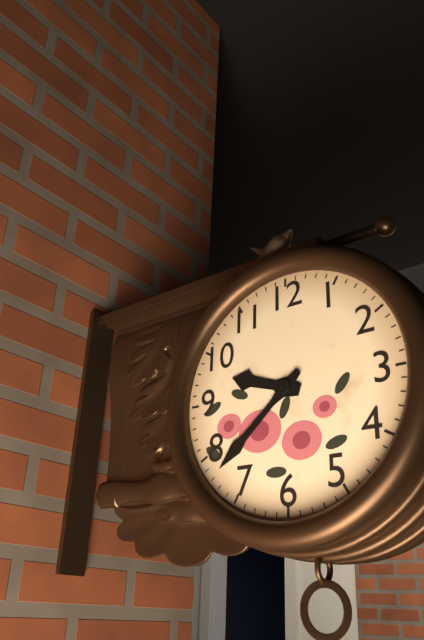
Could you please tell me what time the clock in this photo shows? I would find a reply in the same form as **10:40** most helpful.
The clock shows **9:38**
